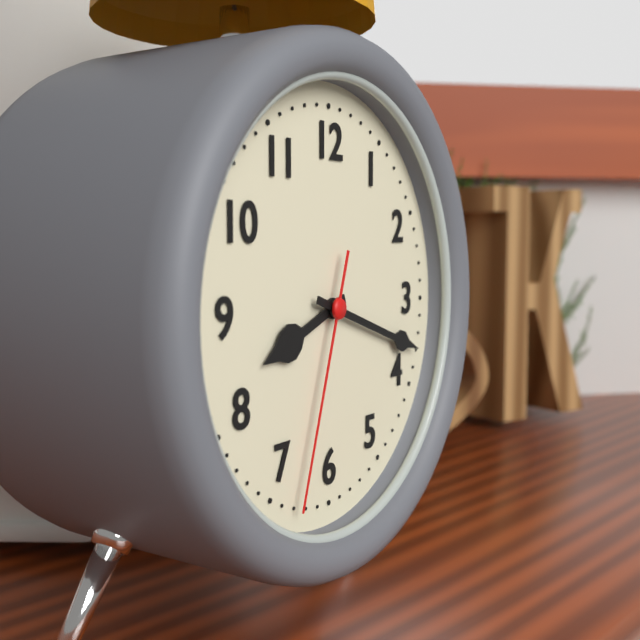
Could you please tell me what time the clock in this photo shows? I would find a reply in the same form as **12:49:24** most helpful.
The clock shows **8:18:33**
